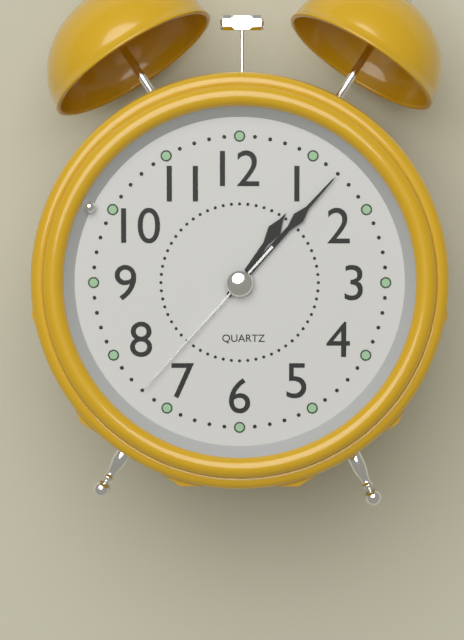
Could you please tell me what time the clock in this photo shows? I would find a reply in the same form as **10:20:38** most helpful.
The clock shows **1:07:37**
